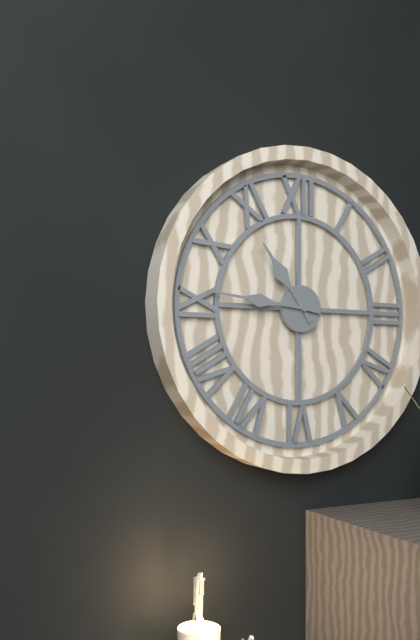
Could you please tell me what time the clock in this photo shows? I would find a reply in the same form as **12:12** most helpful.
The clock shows **10:46**
